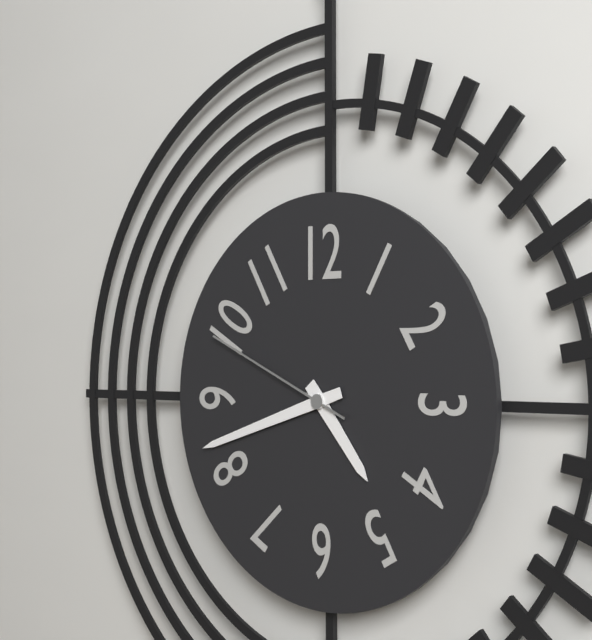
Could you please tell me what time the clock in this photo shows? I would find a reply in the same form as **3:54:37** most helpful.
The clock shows **4:42:49**
